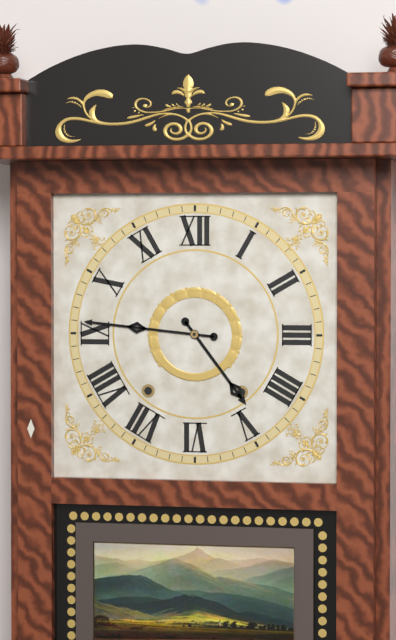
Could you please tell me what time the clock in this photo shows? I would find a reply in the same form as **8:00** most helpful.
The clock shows **4:46**
